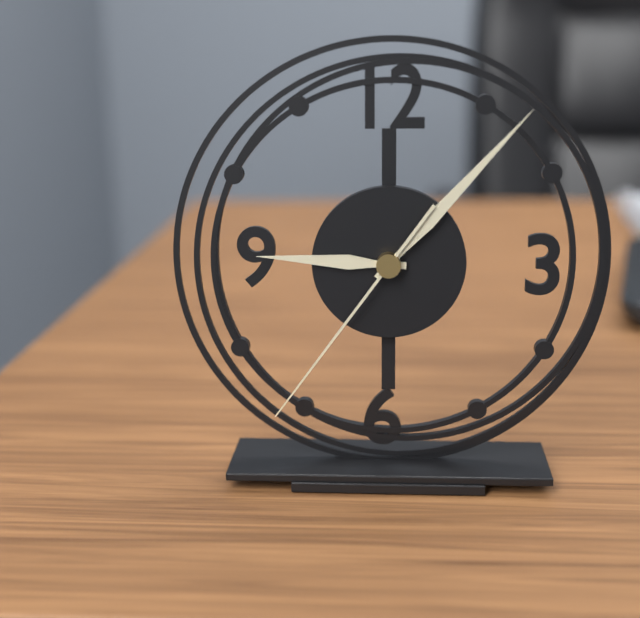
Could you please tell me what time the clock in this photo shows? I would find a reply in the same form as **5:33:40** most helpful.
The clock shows **9:07:36**
